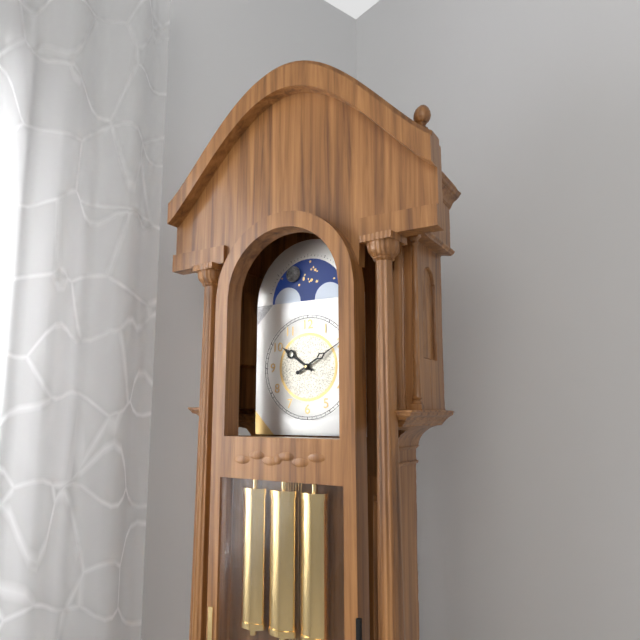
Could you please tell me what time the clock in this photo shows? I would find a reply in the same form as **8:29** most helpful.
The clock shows **10:10**
